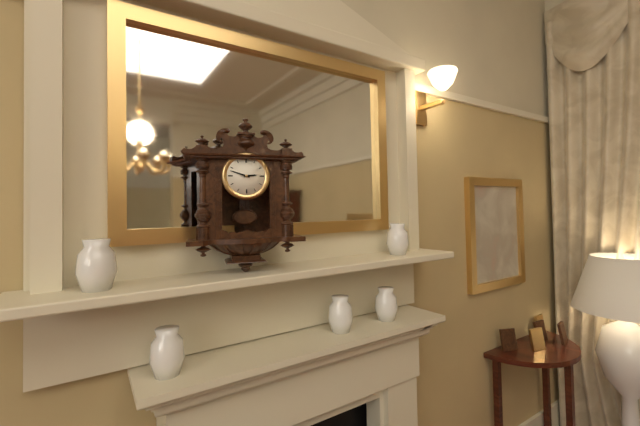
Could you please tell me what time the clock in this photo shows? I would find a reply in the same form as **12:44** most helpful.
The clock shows **2:48**
